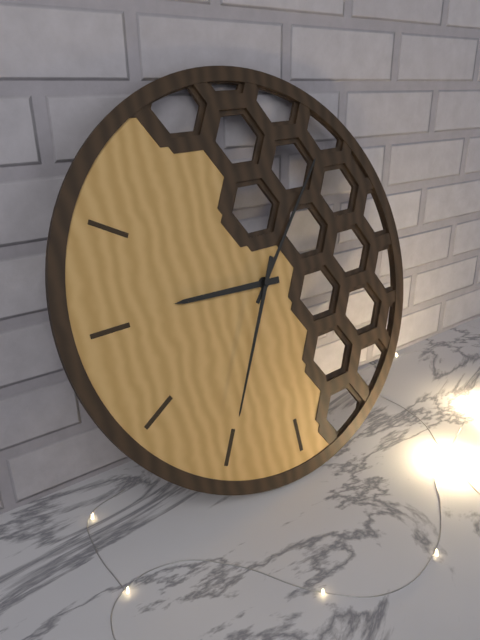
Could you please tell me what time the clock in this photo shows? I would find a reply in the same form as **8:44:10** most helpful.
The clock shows **9:07:35**
